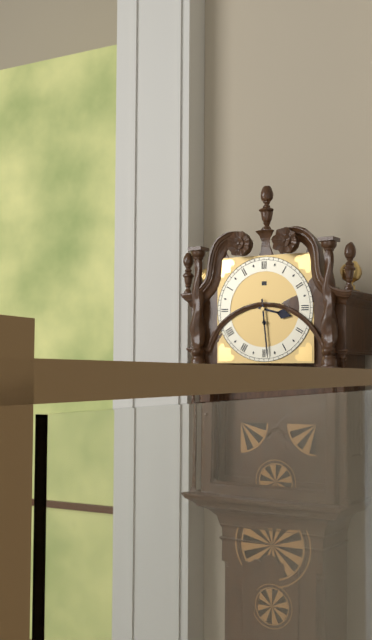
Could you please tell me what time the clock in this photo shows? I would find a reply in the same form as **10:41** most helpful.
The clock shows **3:29**
